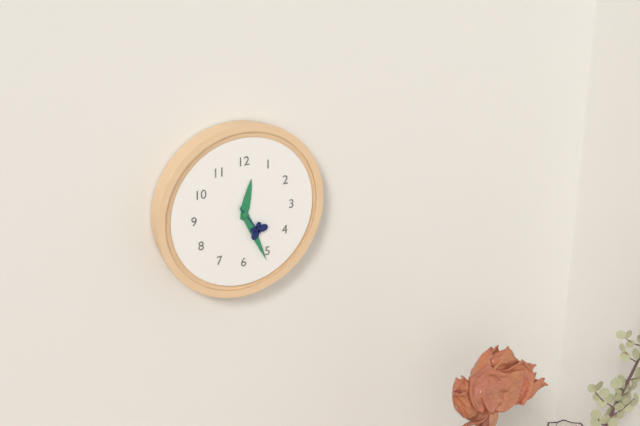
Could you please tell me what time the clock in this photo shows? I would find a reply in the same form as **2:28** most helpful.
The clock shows **12:26**
